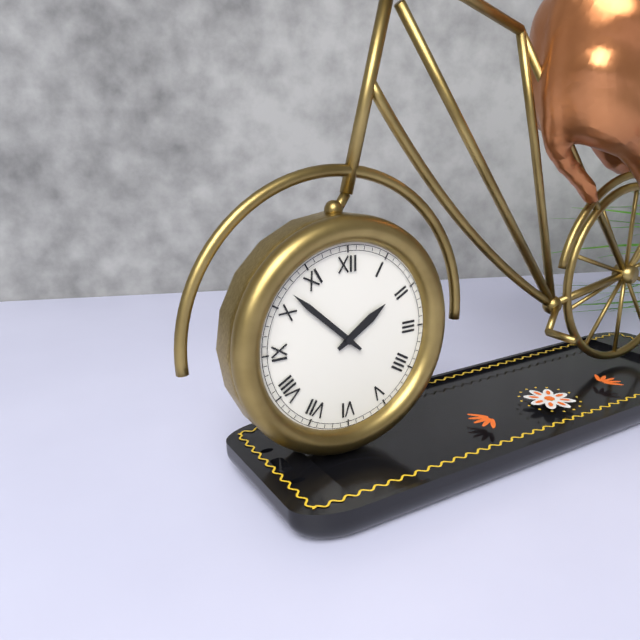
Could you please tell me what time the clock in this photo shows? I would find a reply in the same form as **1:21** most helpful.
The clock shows **1:52**
